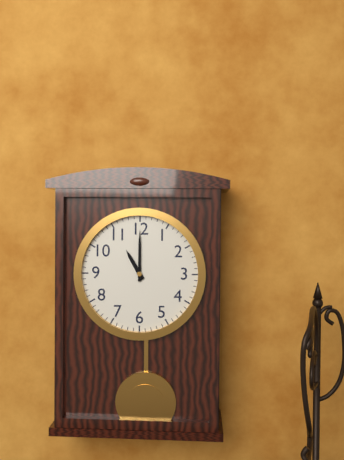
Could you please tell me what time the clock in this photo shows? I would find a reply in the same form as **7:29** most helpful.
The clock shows **11:00**
